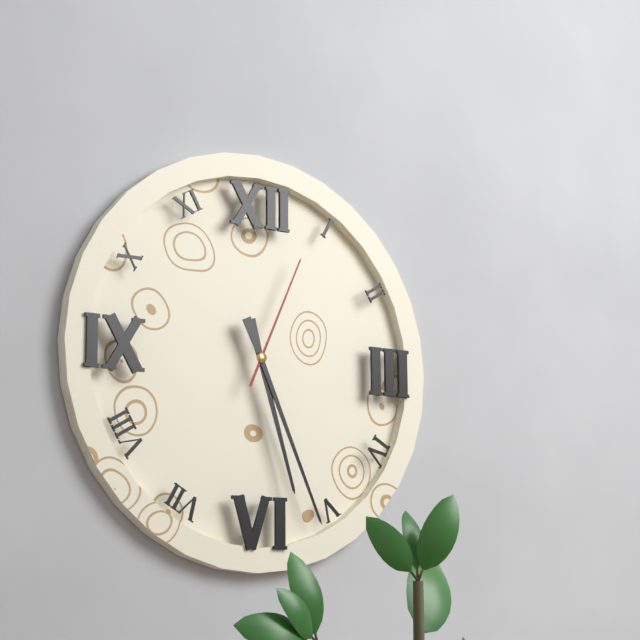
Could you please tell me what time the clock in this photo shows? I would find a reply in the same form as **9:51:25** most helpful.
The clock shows **5:26:04**
